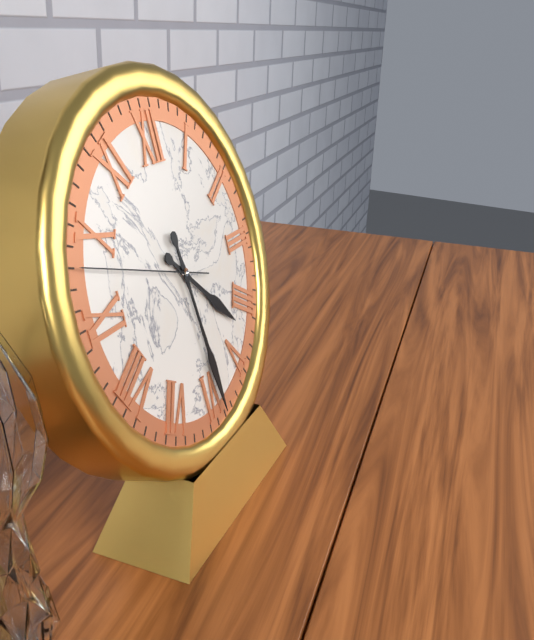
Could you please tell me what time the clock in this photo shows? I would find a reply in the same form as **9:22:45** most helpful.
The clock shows **4:29:48**
